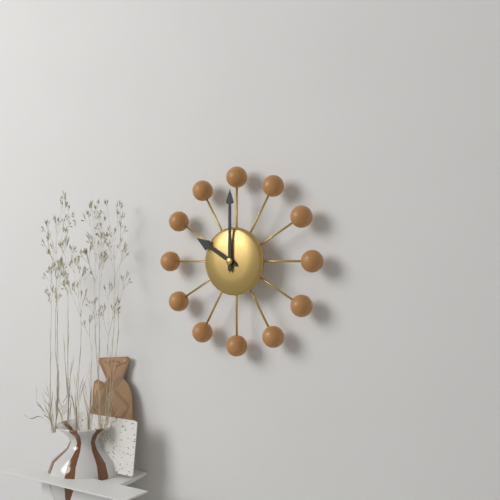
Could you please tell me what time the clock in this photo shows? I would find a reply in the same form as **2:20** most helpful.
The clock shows **10:00**
